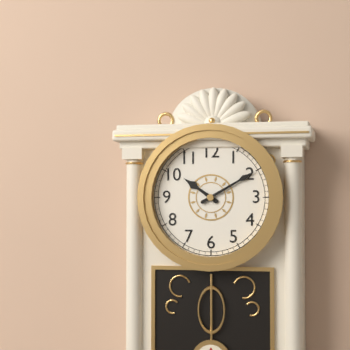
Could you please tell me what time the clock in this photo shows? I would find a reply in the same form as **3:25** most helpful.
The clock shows **10:10**
